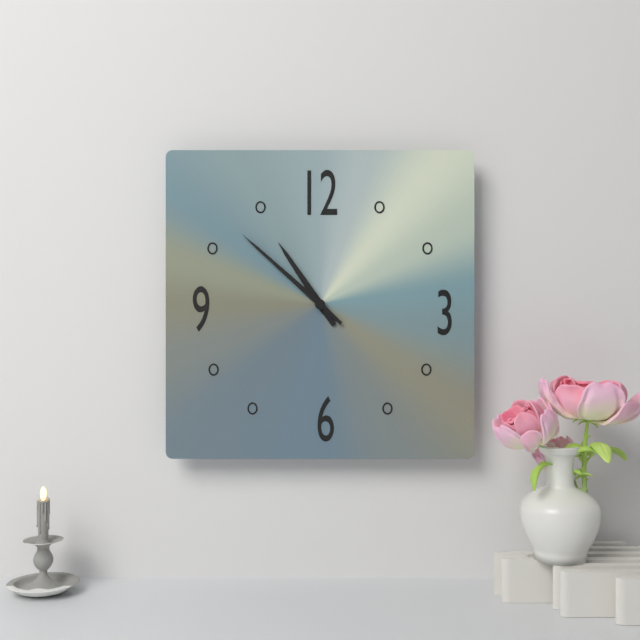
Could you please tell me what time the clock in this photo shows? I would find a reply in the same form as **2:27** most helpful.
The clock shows **10:52**
